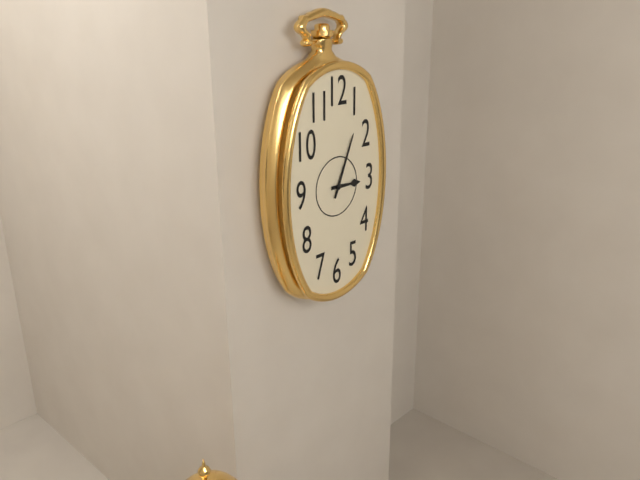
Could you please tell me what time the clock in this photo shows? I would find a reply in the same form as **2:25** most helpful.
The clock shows **3:04**
